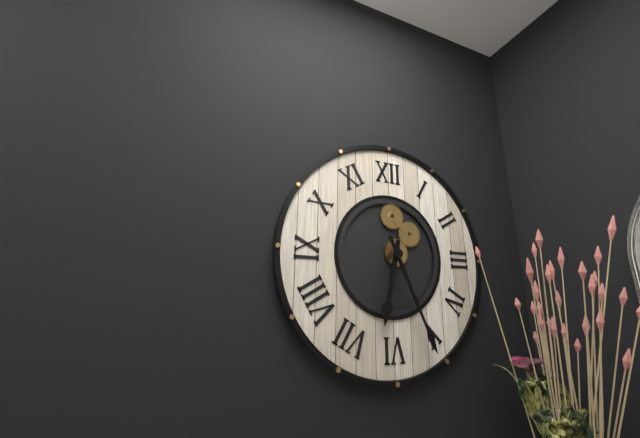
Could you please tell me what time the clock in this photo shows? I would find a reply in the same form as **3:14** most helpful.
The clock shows **6:26**
